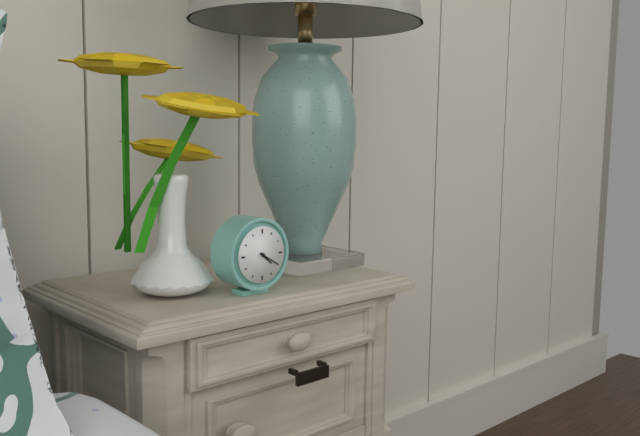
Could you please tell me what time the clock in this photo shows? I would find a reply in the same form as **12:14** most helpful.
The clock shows **4:20**
